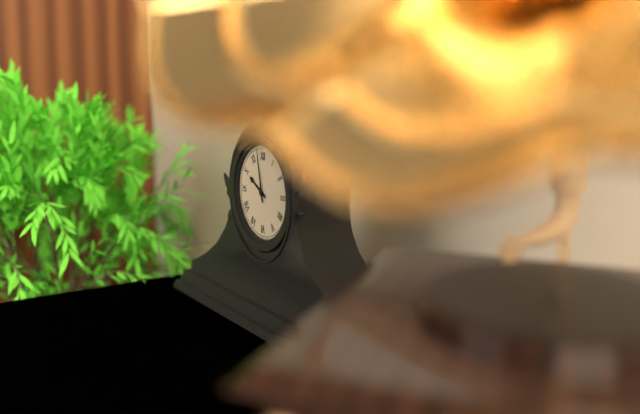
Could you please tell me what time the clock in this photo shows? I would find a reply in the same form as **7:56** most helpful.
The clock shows **9:58**
